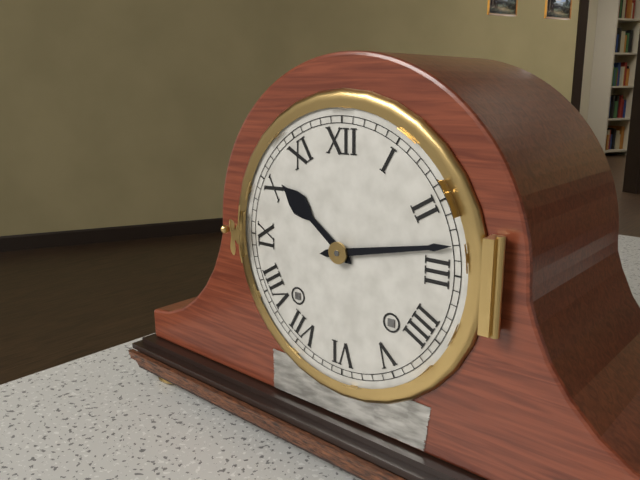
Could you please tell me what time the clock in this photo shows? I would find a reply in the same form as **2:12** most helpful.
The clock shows **10:13**
